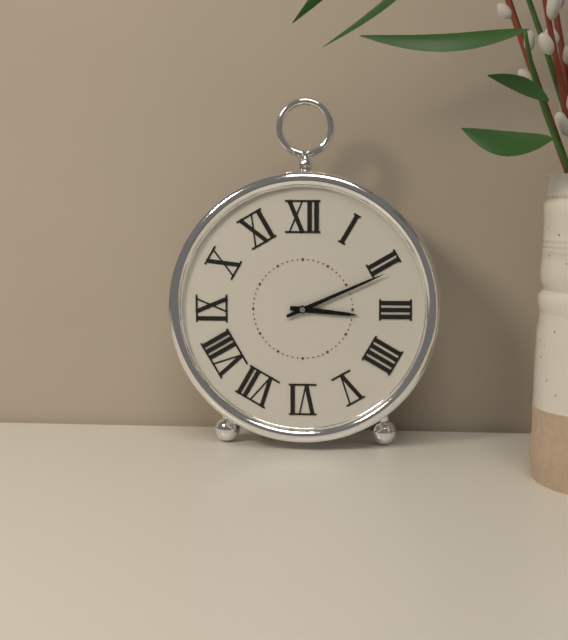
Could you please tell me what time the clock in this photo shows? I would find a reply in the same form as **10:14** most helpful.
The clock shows **3:11**
